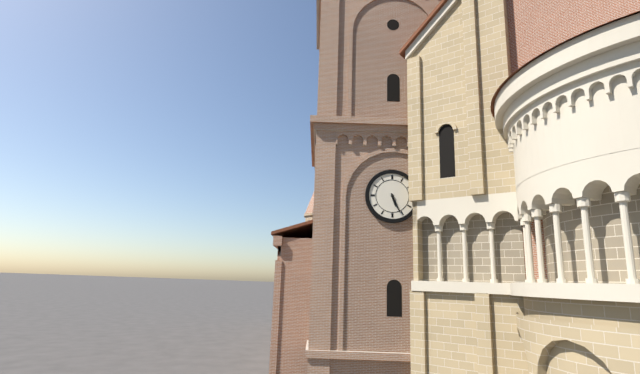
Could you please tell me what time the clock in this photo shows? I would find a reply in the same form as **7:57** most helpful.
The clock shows **5:26**
